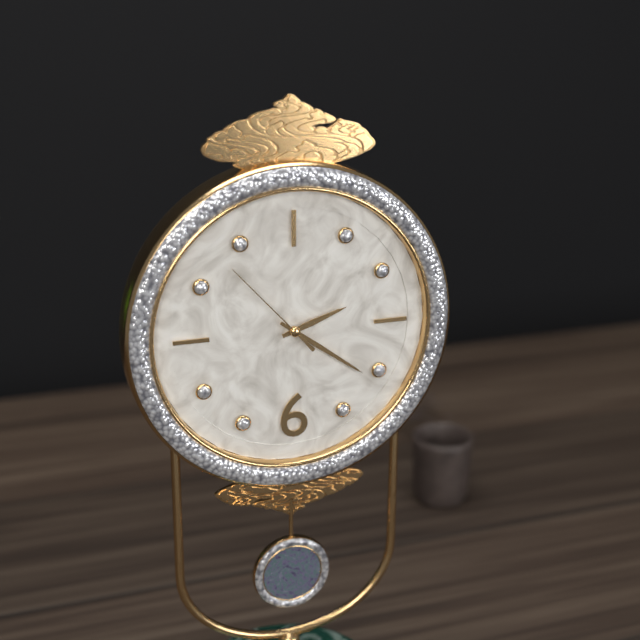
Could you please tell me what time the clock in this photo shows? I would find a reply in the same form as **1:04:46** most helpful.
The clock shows **2:21:53**
